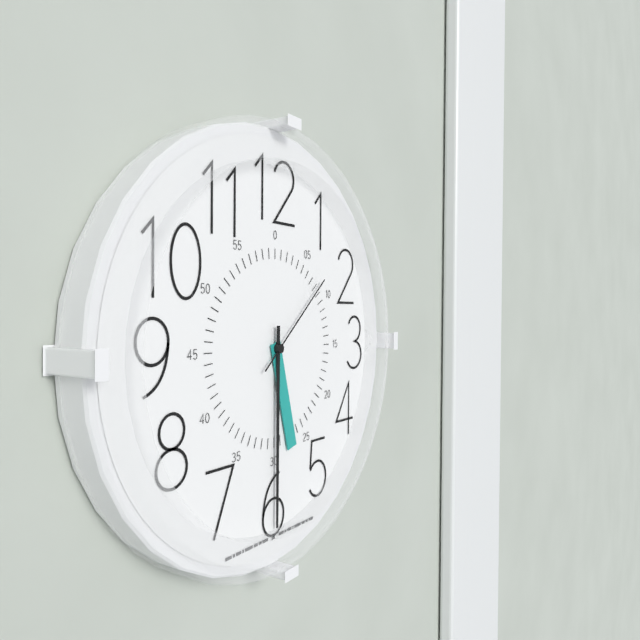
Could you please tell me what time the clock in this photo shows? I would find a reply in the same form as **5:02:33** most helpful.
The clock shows **5:30:08**
